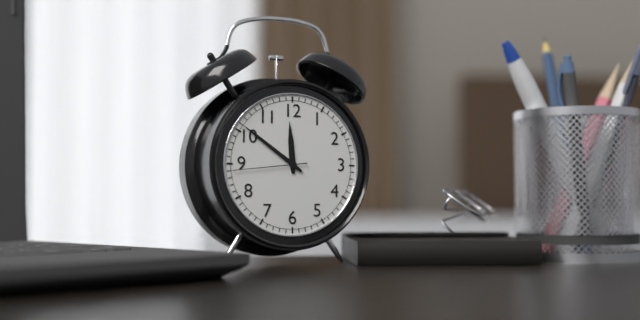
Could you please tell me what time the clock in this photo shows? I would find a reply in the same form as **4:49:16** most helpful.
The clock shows **11:51:44**
